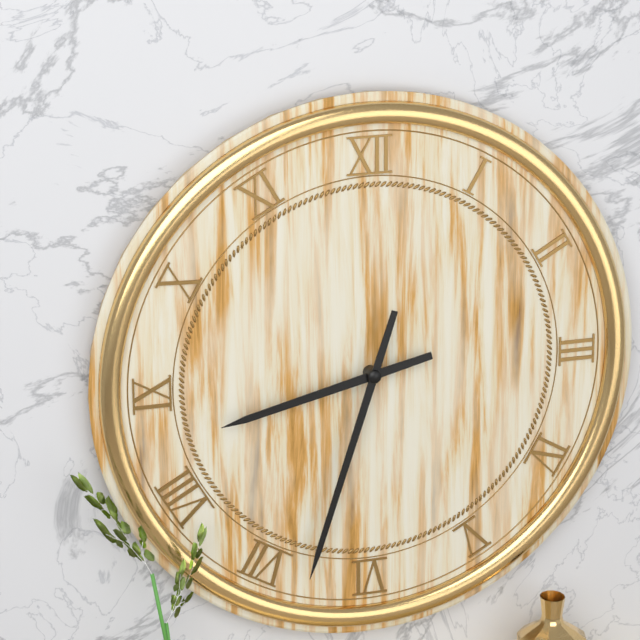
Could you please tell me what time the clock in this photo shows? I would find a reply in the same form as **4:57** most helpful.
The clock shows **8:33**
